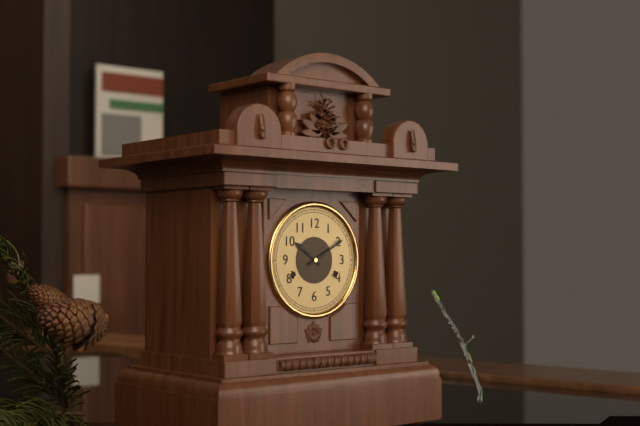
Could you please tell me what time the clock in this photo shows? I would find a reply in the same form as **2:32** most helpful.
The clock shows **10:10**
